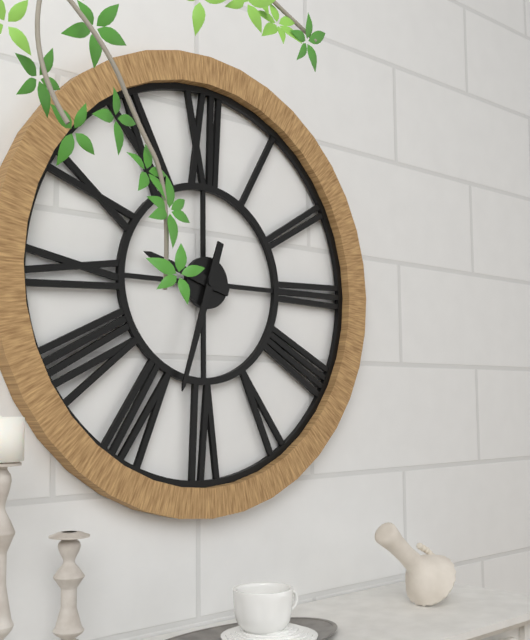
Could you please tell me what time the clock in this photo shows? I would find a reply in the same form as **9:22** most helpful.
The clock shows **9:33**
